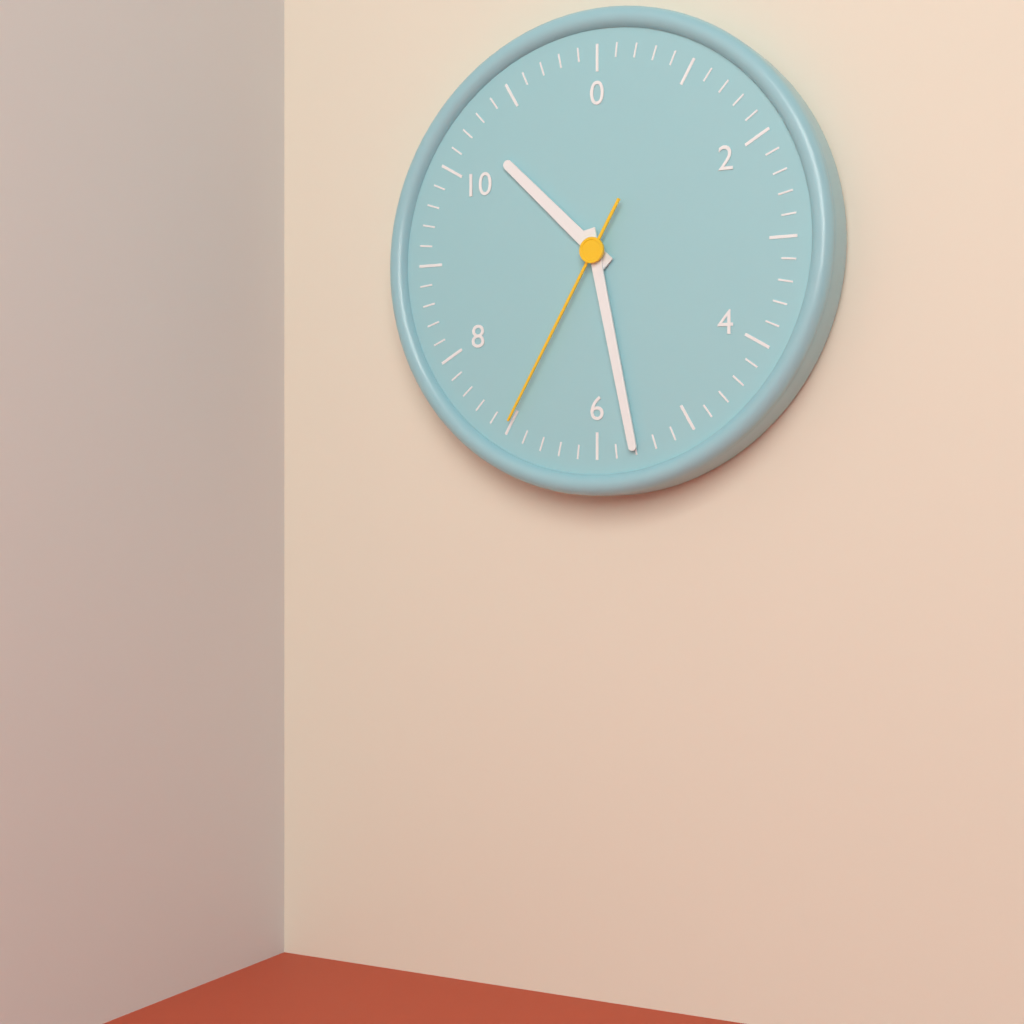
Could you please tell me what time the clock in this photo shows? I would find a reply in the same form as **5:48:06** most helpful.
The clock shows **10:28:35**
